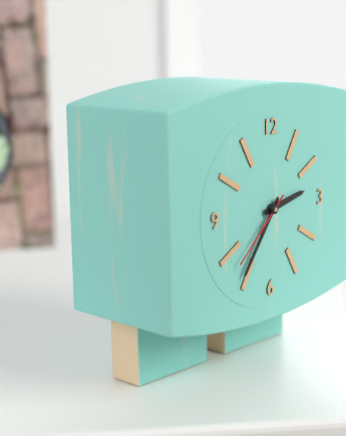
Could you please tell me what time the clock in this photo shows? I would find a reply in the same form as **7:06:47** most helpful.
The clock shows **2:36:38**
